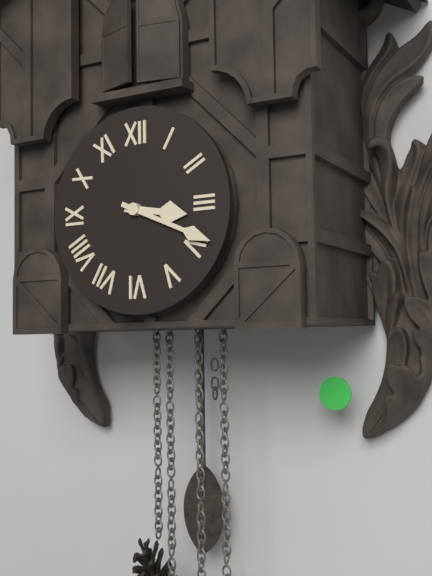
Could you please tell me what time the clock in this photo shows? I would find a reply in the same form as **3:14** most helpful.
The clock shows **3:19**
